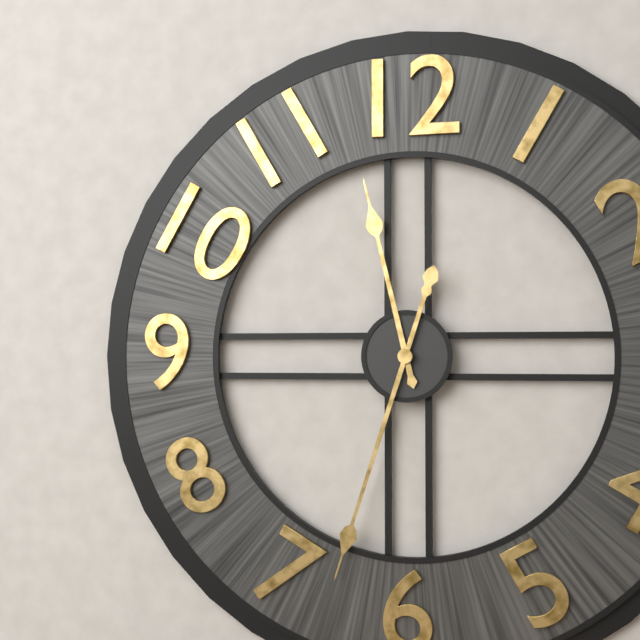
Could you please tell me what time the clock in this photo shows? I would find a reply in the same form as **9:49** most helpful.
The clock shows **11:33**
